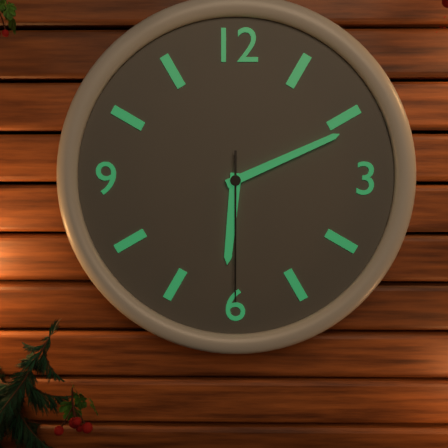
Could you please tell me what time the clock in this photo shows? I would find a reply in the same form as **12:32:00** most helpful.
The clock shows **6:11:30**
